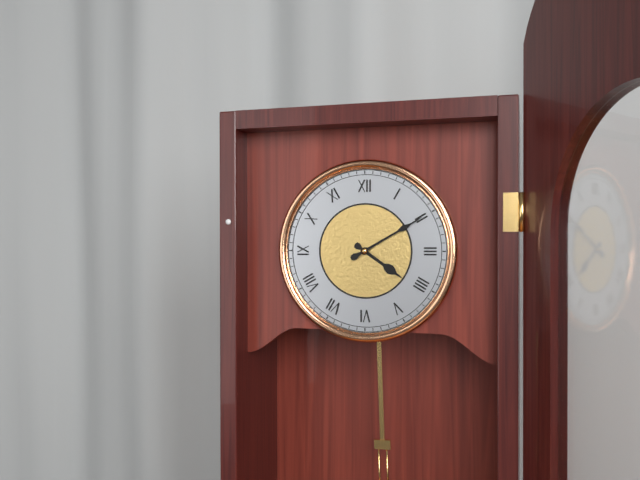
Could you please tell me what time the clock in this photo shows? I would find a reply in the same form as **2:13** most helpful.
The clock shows **4:10**
